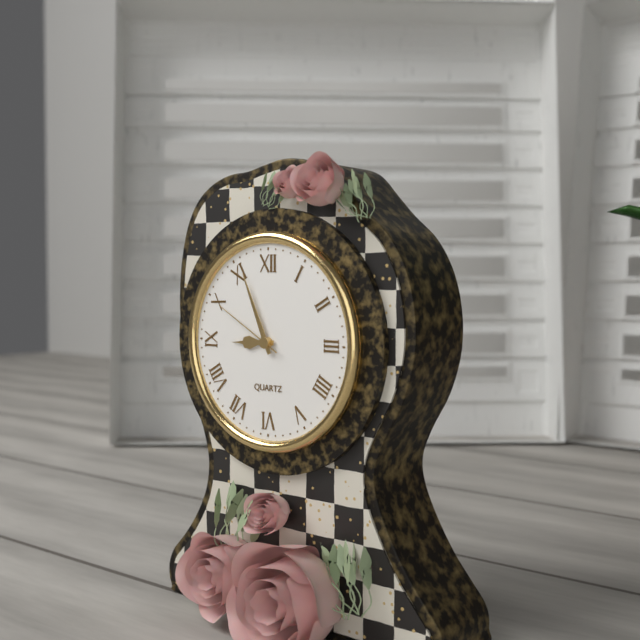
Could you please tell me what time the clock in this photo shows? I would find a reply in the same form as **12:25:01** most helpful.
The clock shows **8:56:50**
